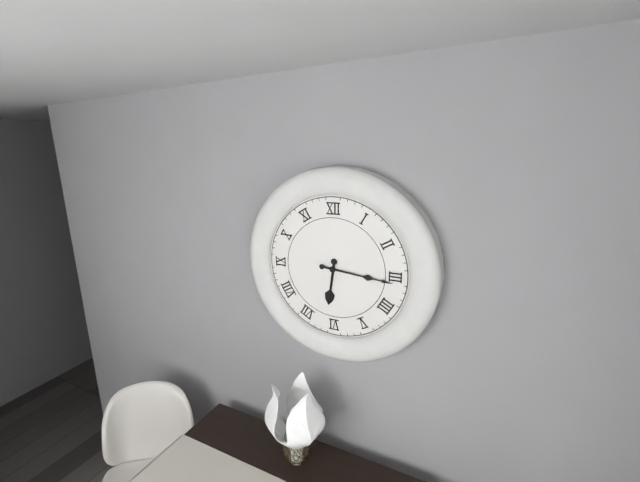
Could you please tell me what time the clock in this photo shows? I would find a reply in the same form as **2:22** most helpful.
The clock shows **6:16**
